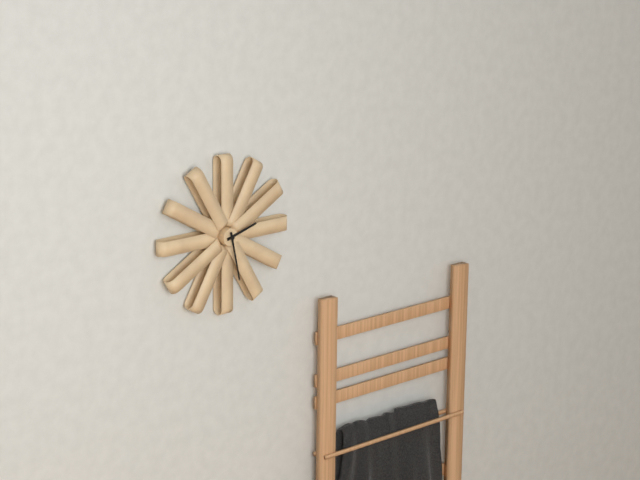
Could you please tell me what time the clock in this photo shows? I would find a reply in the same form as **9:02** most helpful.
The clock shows **2:28**
